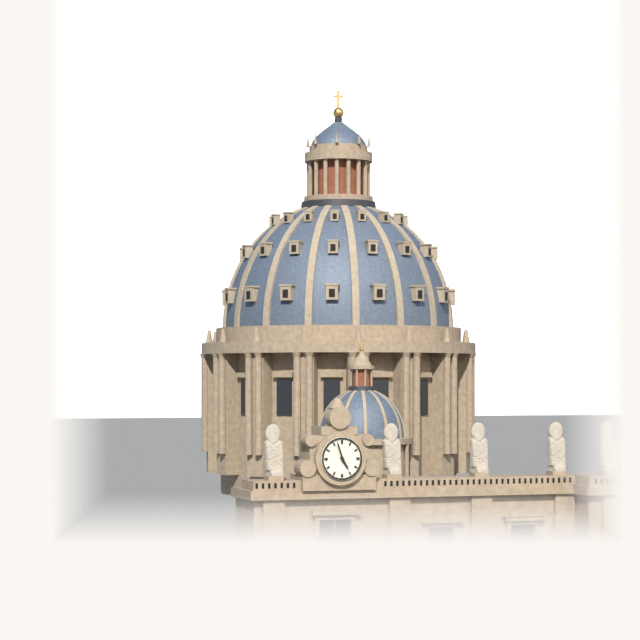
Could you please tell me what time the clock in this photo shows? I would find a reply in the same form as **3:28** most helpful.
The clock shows **4:57**
